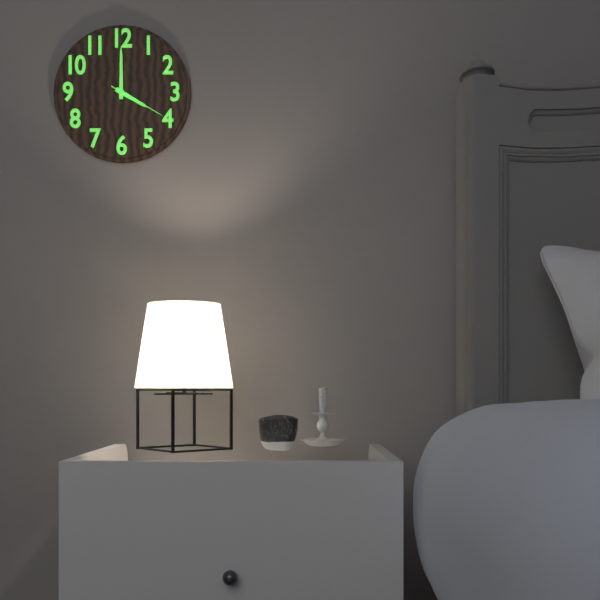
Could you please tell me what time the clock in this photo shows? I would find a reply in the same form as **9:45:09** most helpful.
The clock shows **4:00:20**
